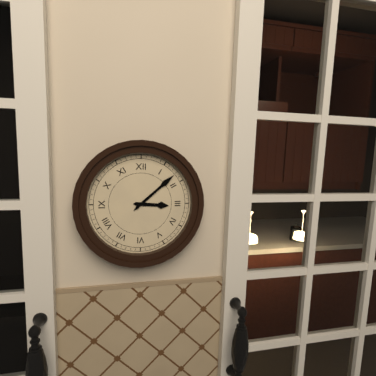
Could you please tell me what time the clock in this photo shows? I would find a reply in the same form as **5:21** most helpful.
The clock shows **3:08**
